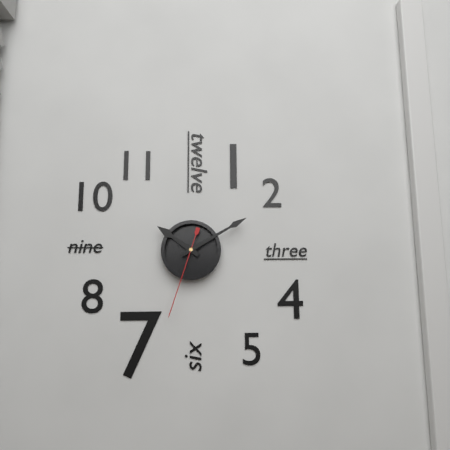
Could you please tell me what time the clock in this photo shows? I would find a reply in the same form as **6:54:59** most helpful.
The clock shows **10:10:33**
